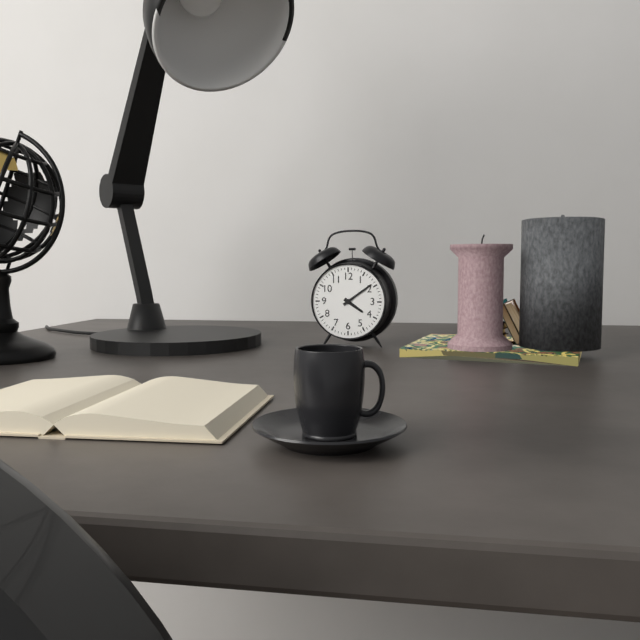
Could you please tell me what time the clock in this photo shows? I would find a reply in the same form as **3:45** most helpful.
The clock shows **4:09**
